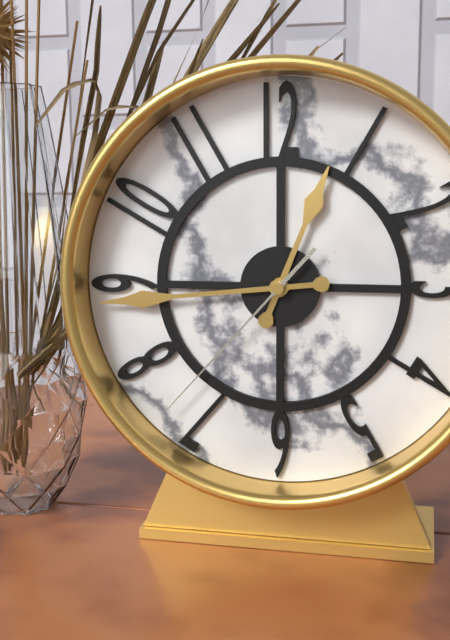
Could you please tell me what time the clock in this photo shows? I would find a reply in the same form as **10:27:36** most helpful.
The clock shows **12:44:37**
